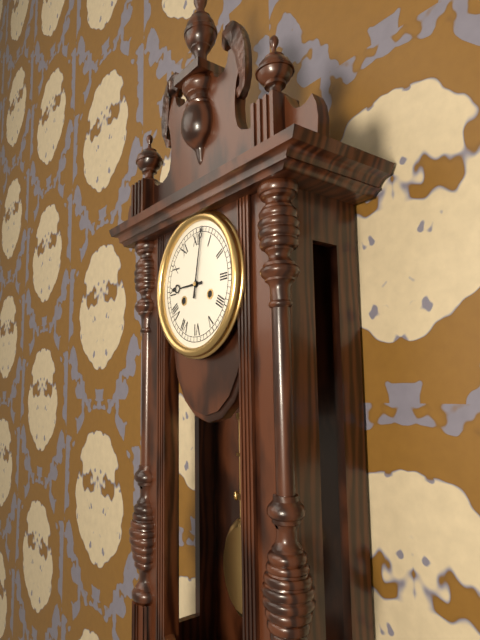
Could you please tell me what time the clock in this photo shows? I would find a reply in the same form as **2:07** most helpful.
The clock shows **9:02**
